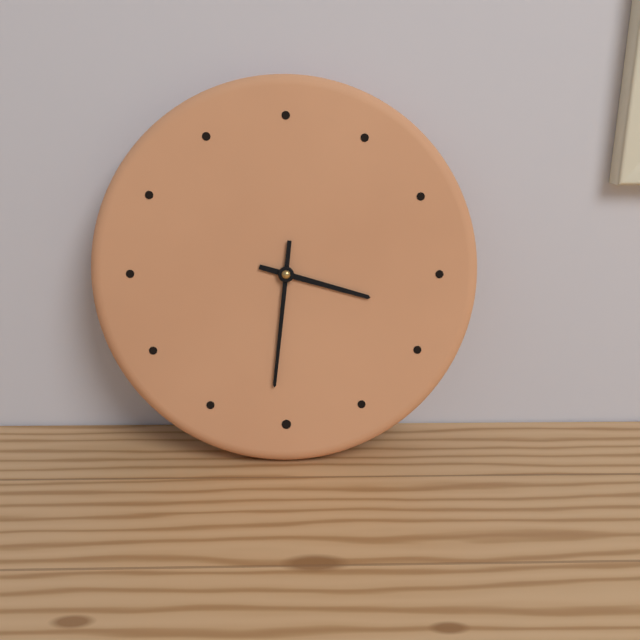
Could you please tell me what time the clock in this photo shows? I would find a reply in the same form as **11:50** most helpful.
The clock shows **3:31**
